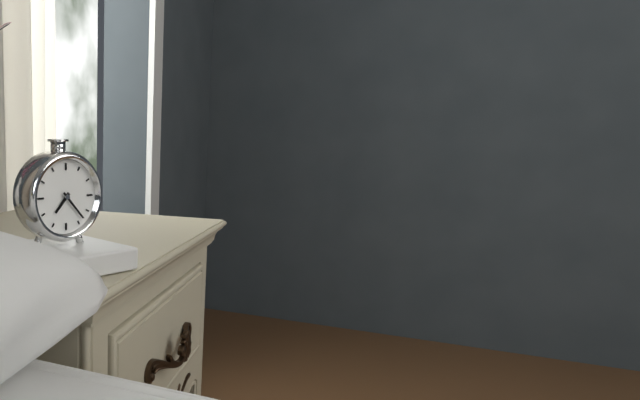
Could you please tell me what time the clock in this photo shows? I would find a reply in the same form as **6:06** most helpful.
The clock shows **7:23**
